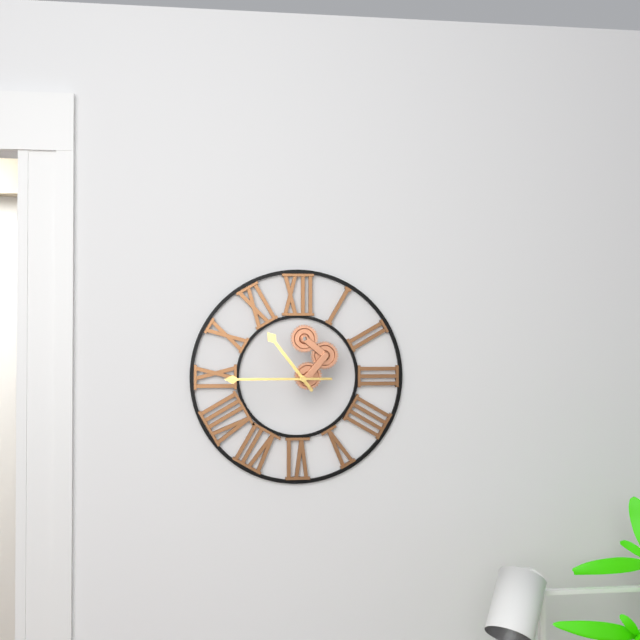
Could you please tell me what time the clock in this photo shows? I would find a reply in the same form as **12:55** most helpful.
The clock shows **10:45**
